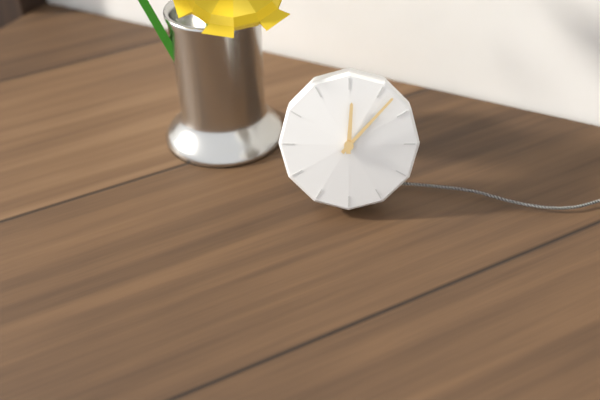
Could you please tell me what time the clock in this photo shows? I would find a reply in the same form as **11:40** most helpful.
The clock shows **12:07**
